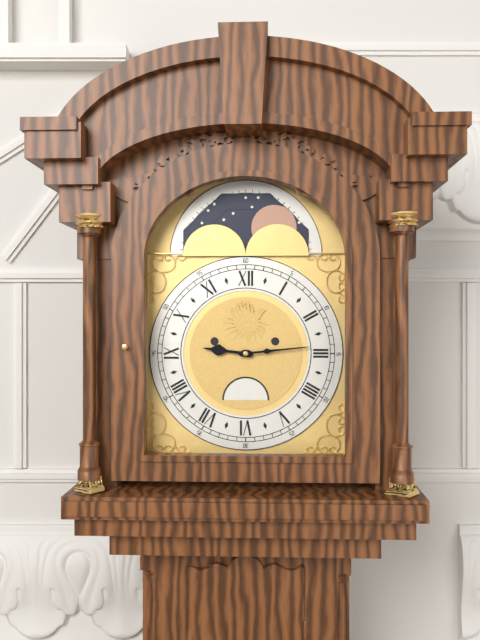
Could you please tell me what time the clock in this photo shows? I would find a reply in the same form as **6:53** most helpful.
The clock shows **9:14**
